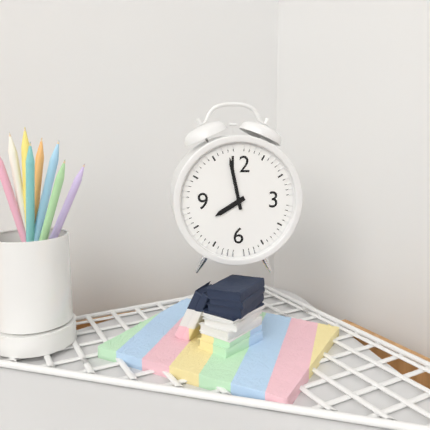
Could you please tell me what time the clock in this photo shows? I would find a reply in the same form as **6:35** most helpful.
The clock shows **7:58**
